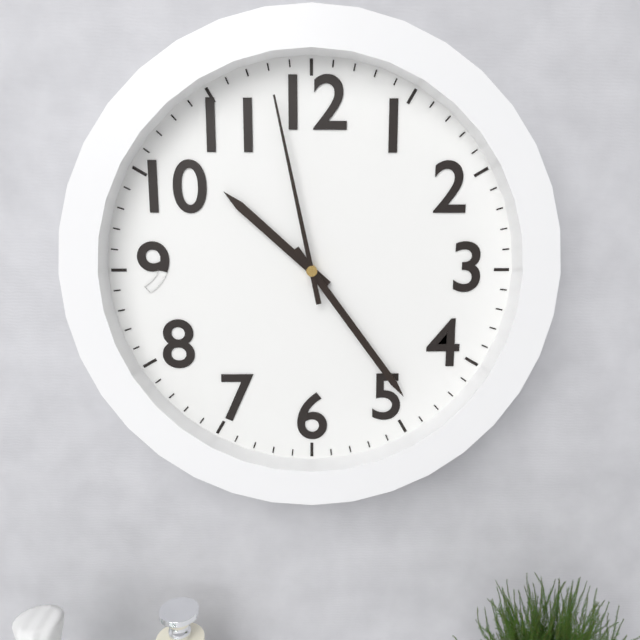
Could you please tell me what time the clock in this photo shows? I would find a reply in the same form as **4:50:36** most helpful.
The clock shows **10:24:58**
